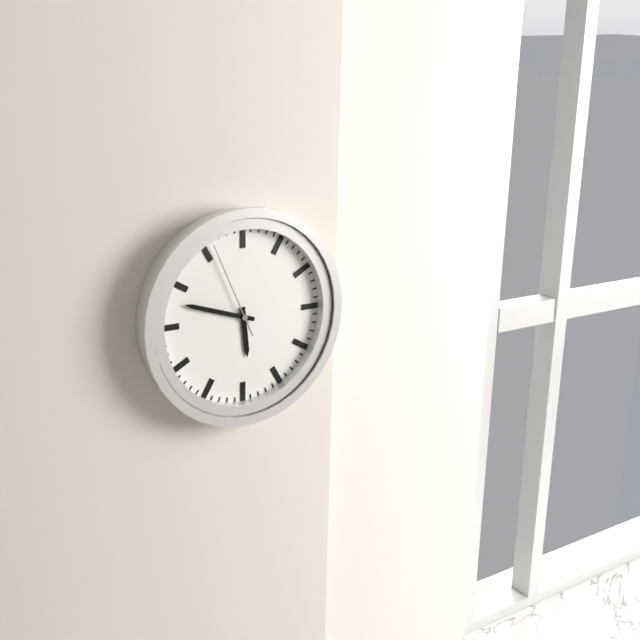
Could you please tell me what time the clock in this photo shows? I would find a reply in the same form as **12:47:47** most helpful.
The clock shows **5:48:56**
